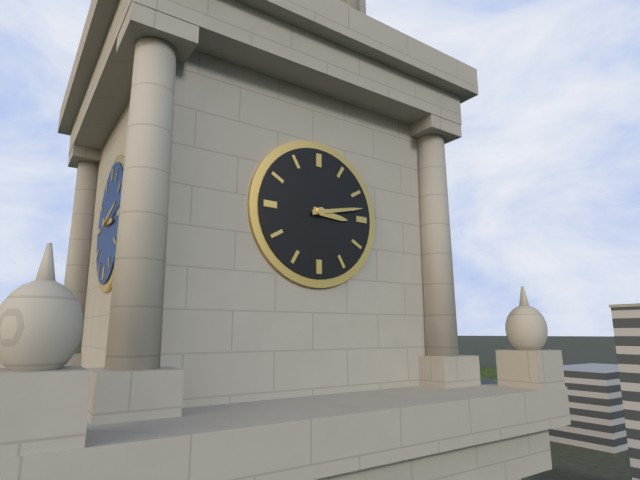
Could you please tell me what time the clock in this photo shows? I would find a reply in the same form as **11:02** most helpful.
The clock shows **3:13**
